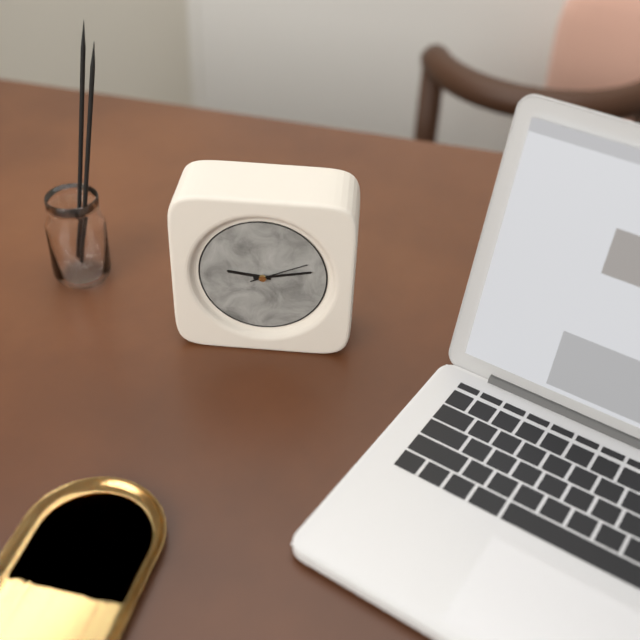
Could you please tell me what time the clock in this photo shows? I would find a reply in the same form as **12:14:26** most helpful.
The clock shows **9:13:11**
